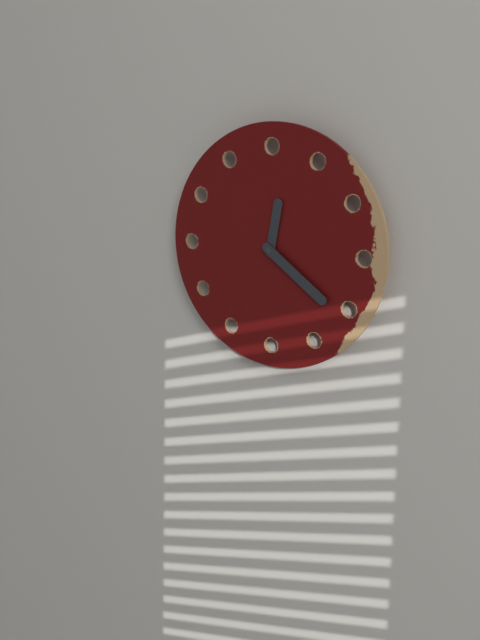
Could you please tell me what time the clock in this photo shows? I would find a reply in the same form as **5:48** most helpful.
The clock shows **12:21**
